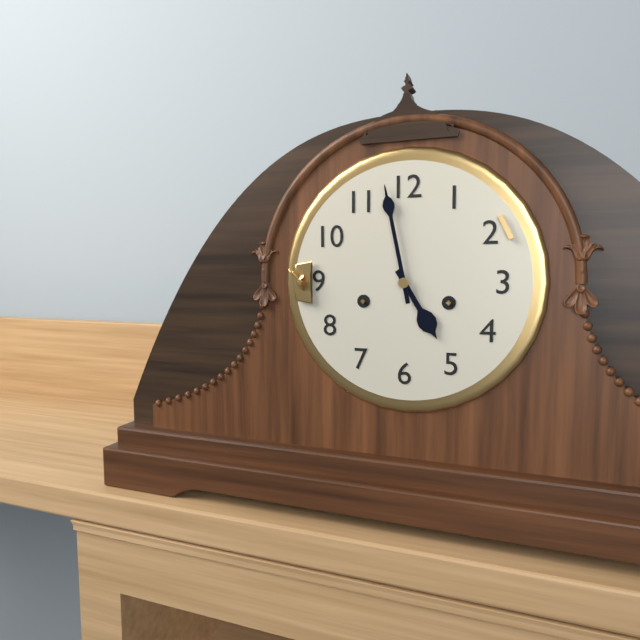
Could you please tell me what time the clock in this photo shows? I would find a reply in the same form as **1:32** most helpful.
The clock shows **4:58**
